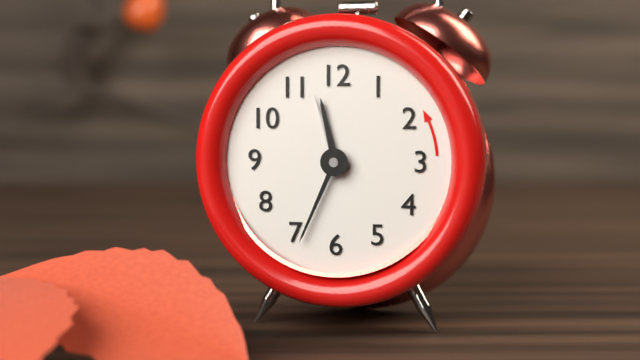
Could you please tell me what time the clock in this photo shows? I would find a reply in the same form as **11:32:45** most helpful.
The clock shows **11:34:57**
